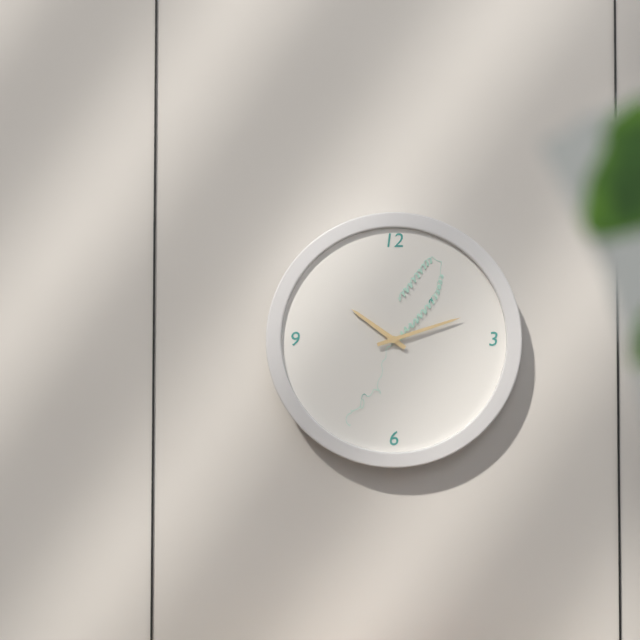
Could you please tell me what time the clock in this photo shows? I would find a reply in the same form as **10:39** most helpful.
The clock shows **10:12**
